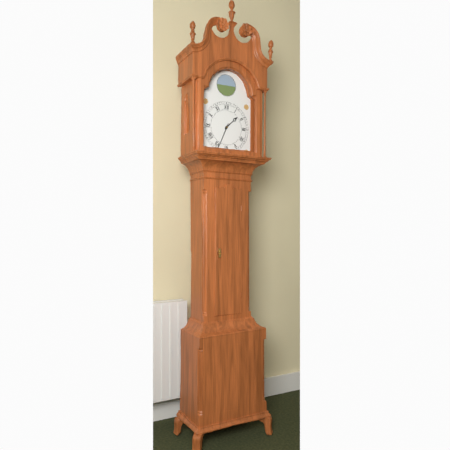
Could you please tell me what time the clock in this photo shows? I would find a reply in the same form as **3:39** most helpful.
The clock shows **1:34**
